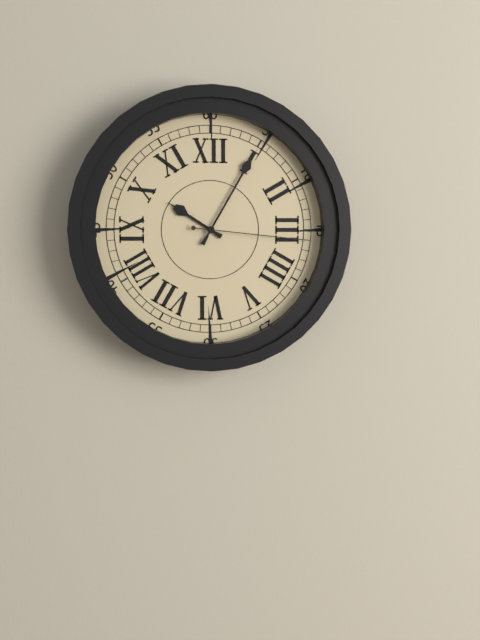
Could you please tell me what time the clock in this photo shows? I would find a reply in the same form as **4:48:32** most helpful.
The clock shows **10:05:16**
